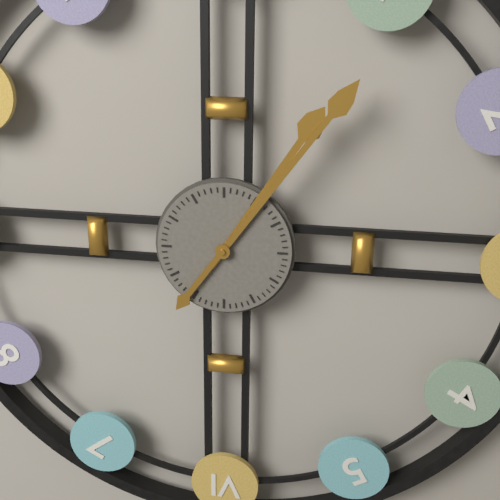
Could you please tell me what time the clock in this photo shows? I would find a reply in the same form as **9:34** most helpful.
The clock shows **1:06**
